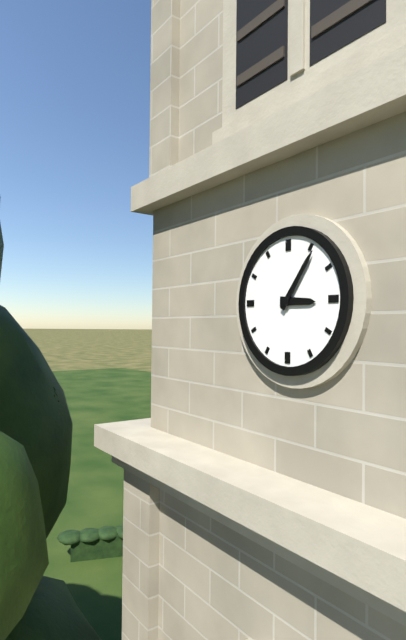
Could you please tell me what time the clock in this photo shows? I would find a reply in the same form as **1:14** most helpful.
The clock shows **3:06**
